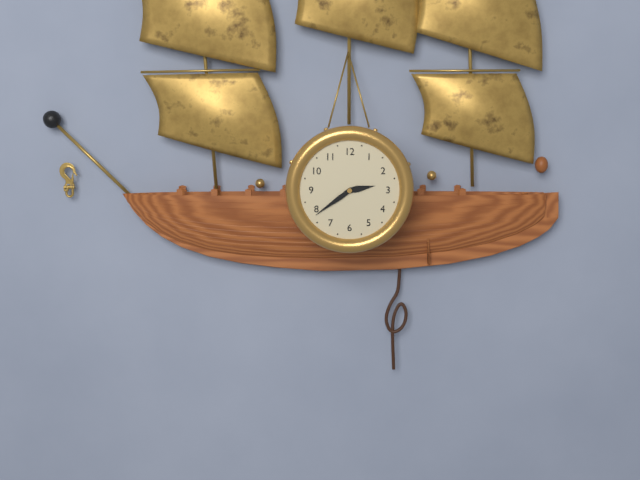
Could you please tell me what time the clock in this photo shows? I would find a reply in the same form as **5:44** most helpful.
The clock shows **2:39**
